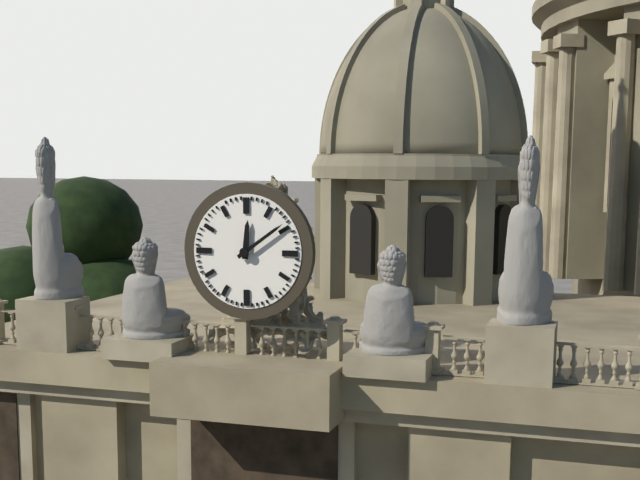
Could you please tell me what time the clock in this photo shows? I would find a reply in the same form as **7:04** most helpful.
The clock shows **12:09**
